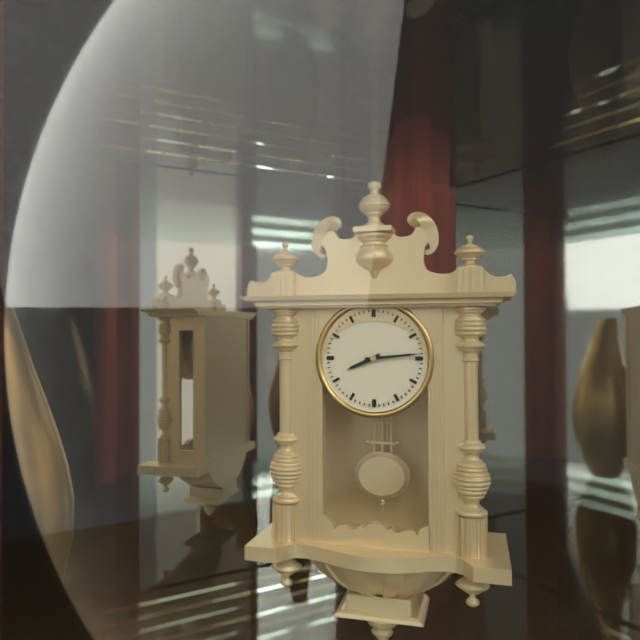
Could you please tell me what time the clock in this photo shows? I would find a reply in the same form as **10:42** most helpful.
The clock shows **8:14**
